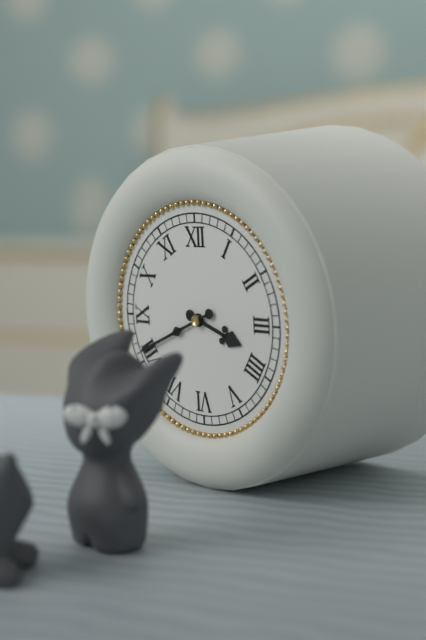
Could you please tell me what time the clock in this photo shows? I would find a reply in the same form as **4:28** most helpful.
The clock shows **3:41**
